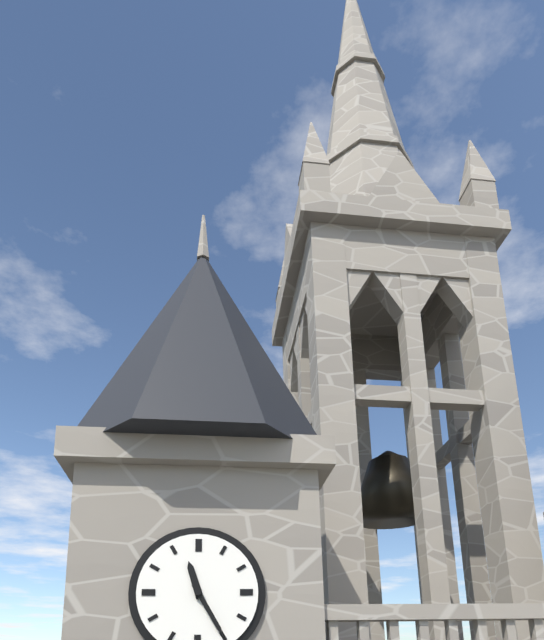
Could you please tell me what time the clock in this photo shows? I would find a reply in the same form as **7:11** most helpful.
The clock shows **11:25**
